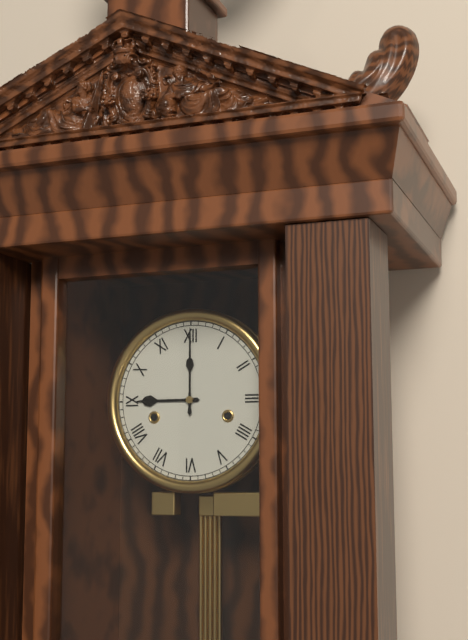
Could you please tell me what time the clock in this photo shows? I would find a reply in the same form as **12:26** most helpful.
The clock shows **9:00**
